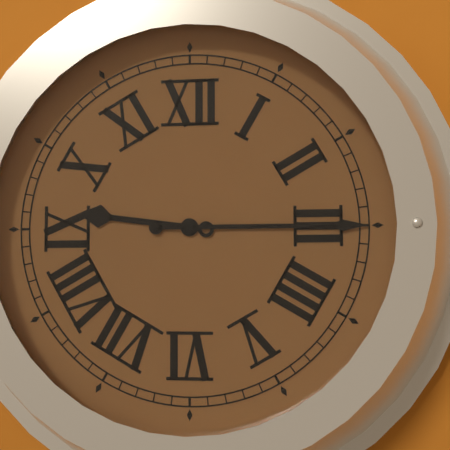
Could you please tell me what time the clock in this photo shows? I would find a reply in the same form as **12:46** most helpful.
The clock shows **9:15**
